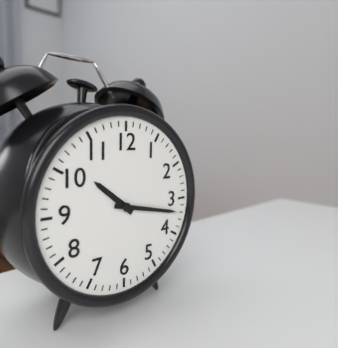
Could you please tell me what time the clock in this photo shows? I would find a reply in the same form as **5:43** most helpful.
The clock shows **10:17**
